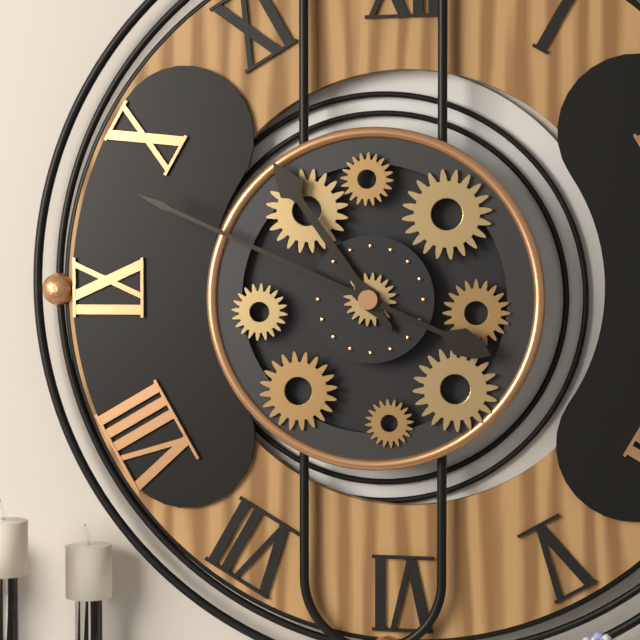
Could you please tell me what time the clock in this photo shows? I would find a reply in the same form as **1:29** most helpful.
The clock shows **10:49**
